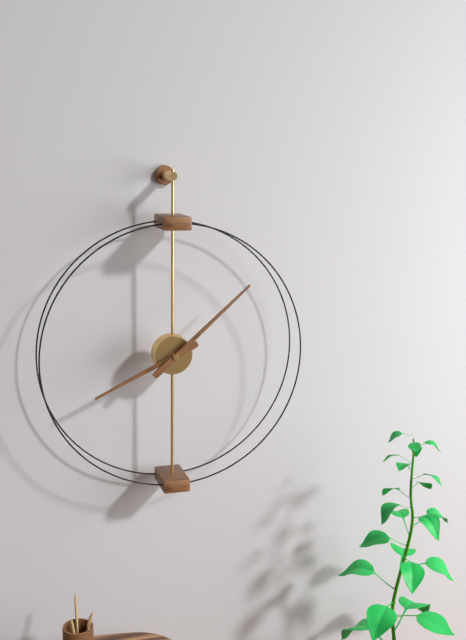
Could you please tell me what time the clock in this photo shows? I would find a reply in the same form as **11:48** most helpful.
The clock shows **8:08**
